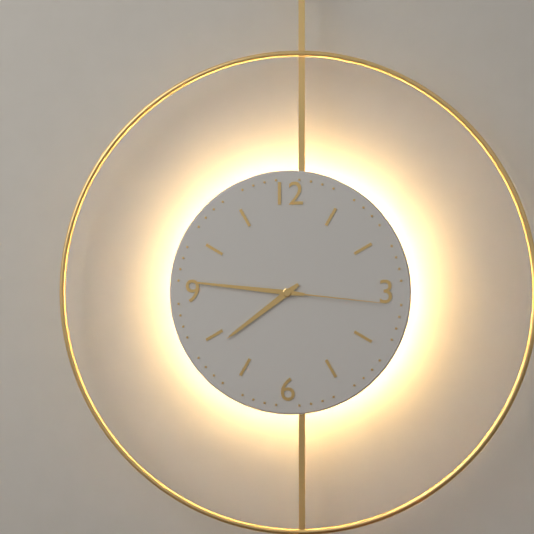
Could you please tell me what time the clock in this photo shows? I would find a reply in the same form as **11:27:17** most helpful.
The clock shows **7:46:16**
